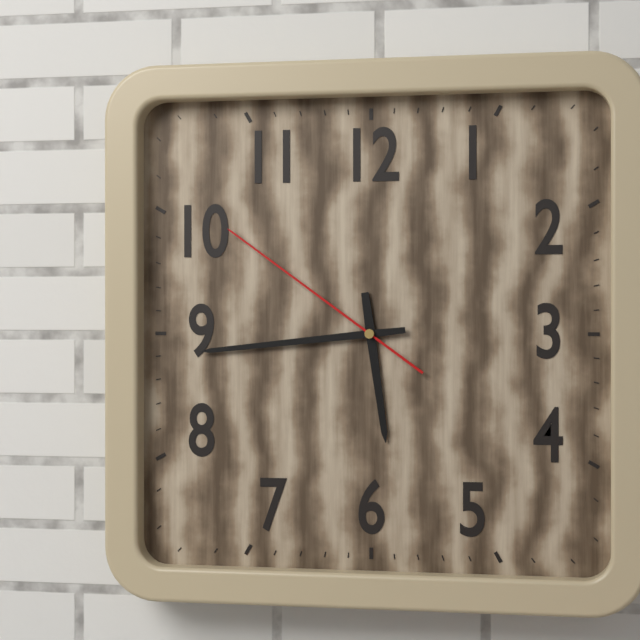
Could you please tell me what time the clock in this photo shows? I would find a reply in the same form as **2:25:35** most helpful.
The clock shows **5:44:51**
